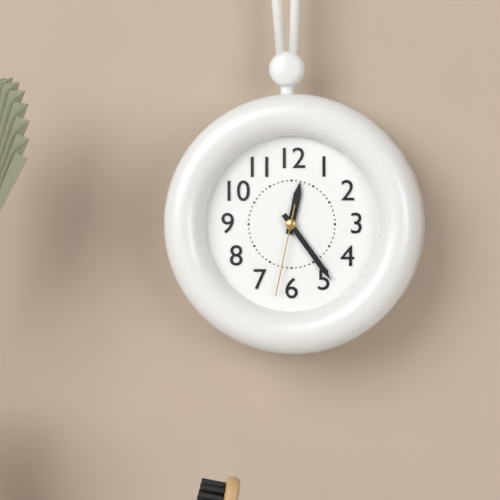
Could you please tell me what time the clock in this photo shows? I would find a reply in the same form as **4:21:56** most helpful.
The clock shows **12:24:32**
